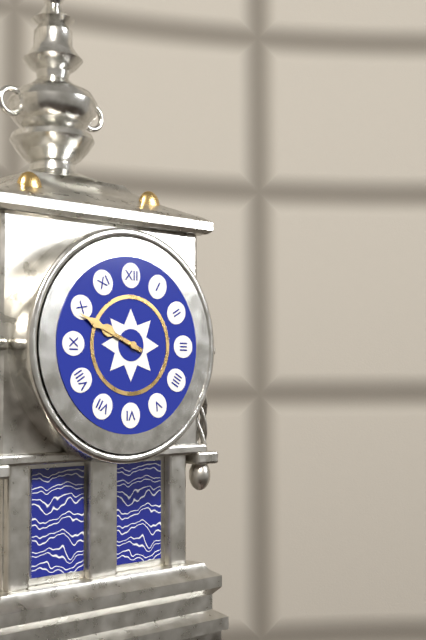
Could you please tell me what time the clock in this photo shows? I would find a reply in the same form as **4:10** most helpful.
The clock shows **9:49**
